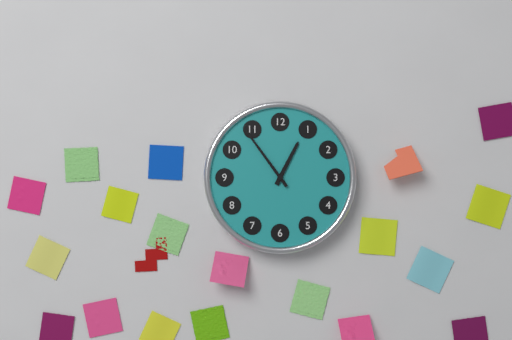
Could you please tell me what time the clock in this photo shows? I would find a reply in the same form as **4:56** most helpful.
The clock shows **12:54**
